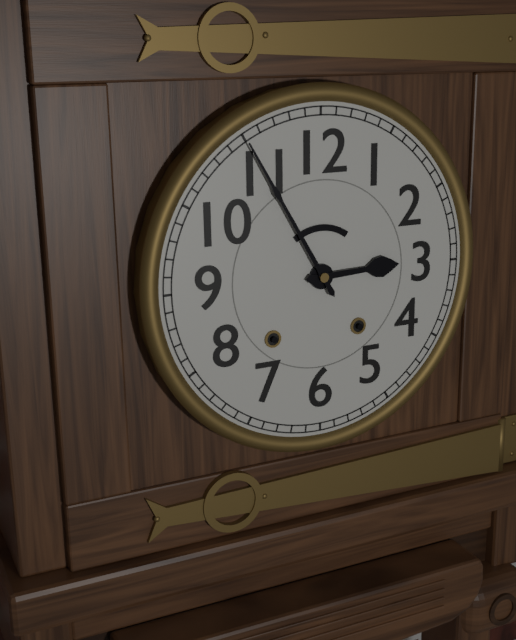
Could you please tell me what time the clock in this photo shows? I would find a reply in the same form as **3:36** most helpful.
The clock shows **2:55**
